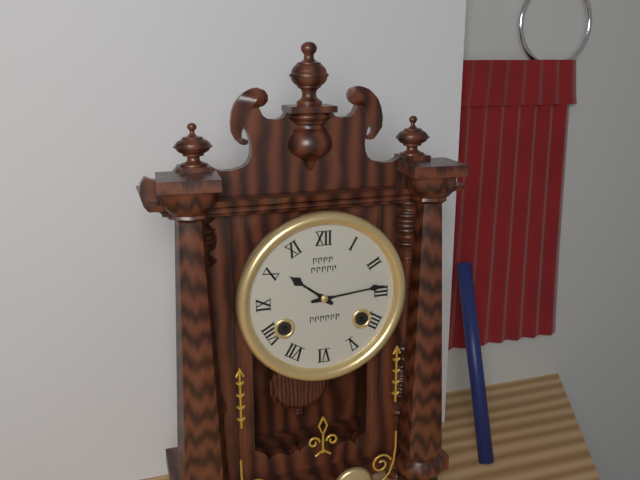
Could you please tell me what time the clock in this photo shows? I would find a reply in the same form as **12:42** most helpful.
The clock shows **10:14**
